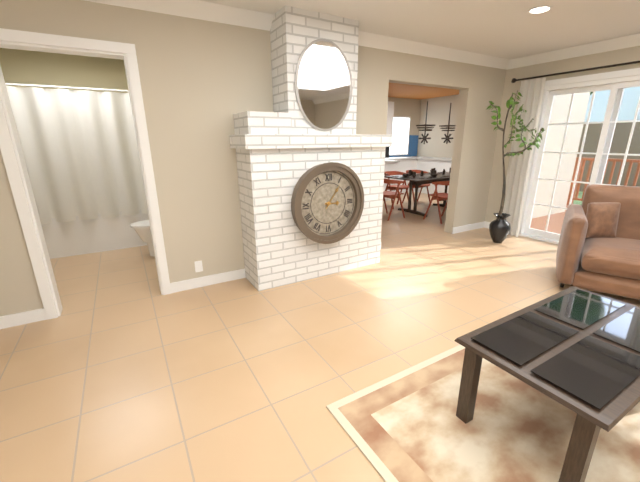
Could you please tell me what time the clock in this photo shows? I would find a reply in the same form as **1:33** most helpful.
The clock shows **3:06**
